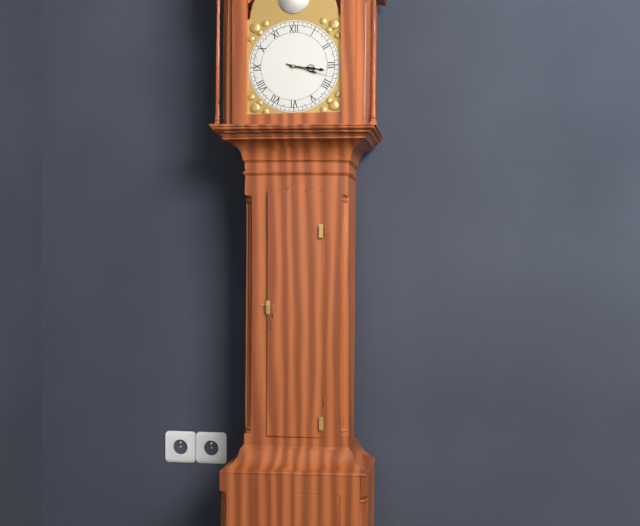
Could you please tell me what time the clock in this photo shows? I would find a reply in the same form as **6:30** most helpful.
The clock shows **3:18**
